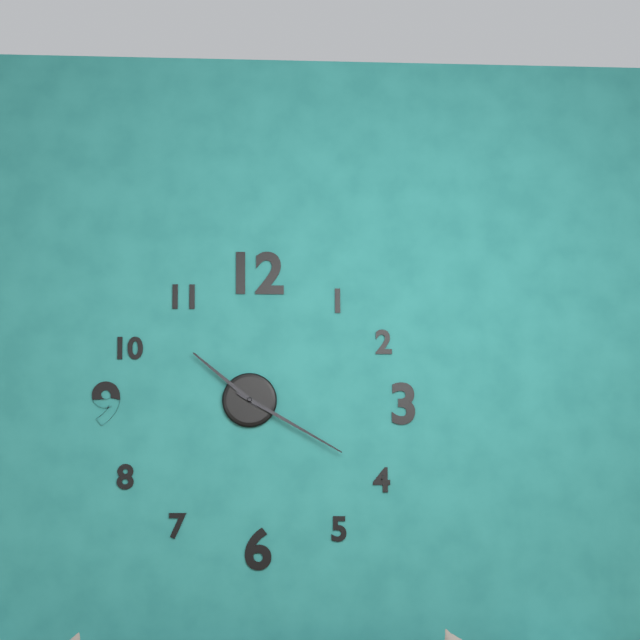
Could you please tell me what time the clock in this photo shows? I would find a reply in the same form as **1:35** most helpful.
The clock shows **10:20**
